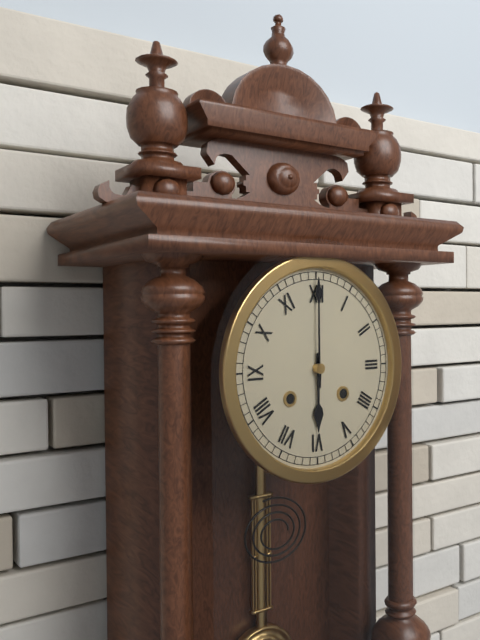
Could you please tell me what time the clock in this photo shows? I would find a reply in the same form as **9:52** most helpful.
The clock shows **6:00**
